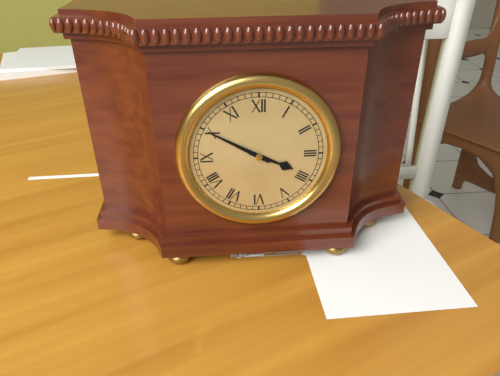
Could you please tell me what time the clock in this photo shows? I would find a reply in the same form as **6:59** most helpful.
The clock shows **3:50**
